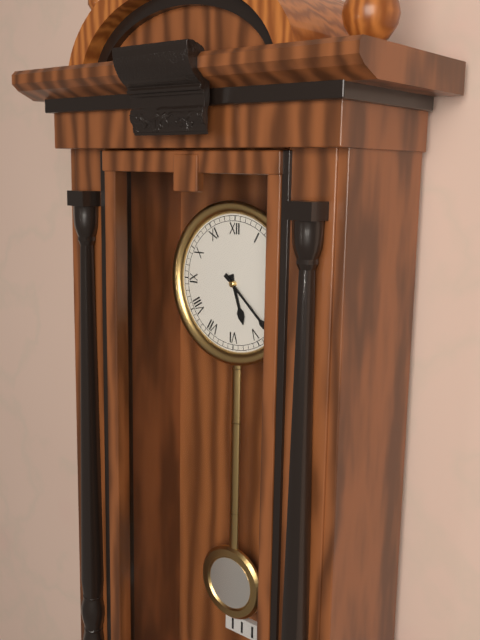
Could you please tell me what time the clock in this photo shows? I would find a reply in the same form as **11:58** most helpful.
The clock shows **5:22**
